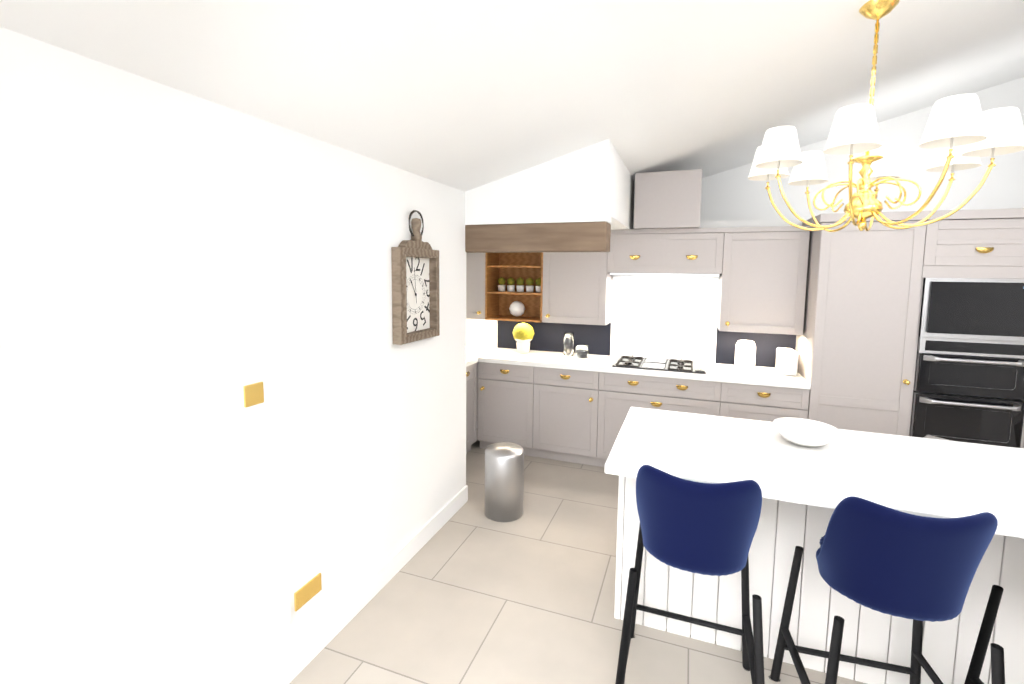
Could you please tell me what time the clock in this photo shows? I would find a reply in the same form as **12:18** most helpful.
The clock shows **10:59**
